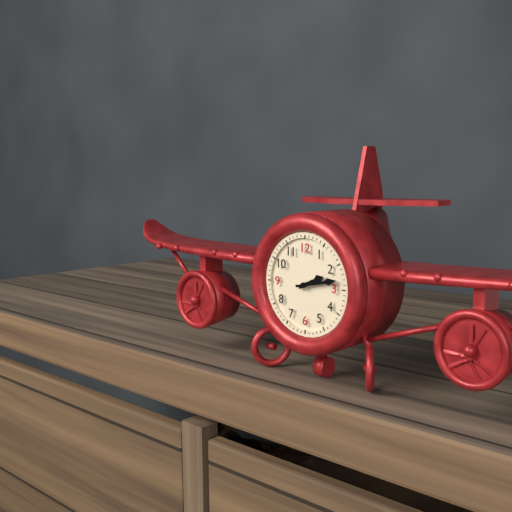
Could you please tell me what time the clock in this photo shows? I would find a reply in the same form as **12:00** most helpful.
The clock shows **2:13**
